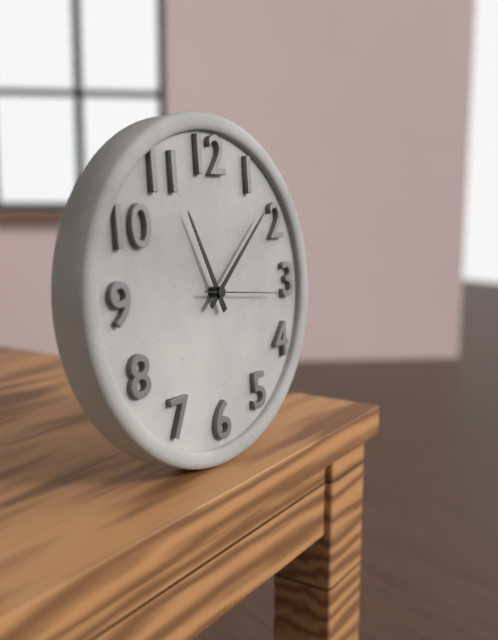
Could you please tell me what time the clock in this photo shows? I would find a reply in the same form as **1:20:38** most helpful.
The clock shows **11:08:16**
